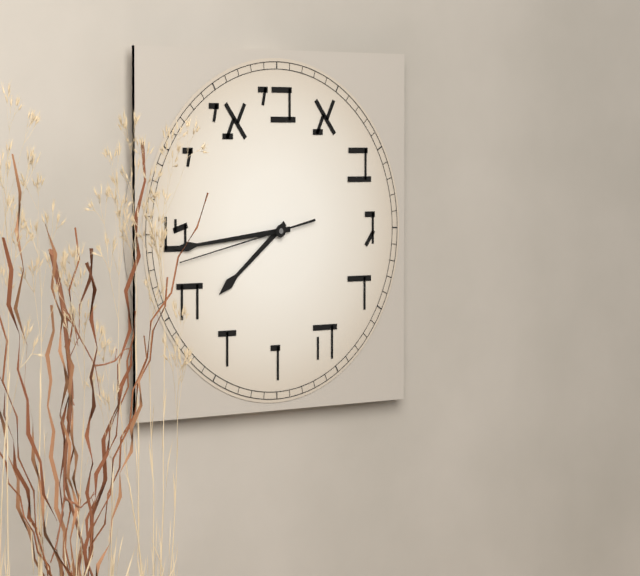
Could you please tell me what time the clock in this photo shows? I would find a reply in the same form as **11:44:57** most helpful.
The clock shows **7:44:43**
